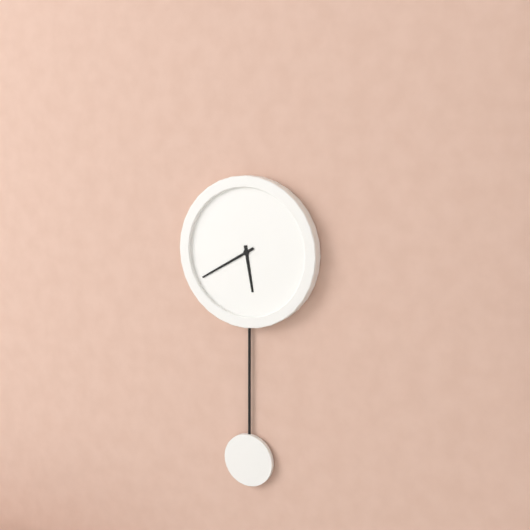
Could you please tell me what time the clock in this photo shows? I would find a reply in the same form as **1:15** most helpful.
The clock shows **5:40**
